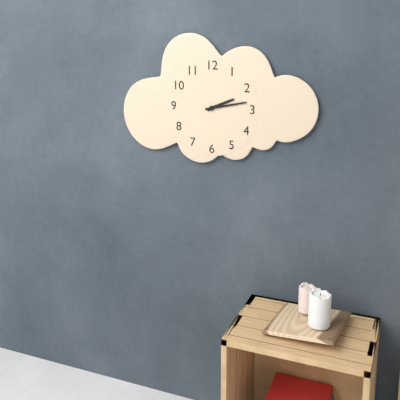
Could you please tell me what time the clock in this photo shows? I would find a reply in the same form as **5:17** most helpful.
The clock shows **2:13**
